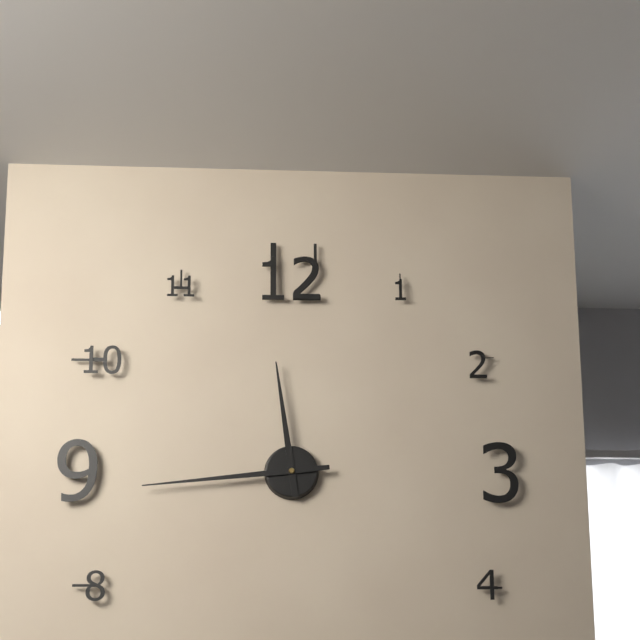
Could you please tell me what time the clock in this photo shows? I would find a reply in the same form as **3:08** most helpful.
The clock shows **11:44**
